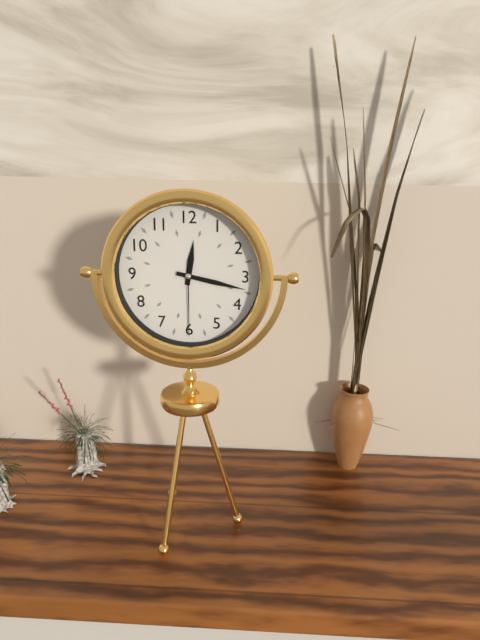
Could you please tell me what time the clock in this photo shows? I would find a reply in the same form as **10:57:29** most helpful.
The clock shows **12:17:30**
